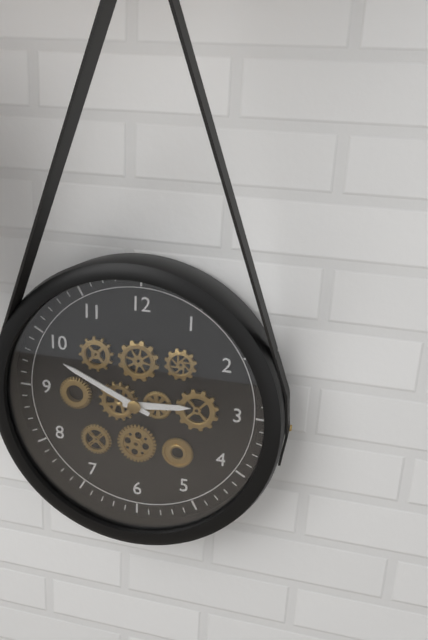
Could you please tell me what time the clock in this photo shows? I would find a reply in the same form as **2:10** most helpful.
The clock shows **2:49**
